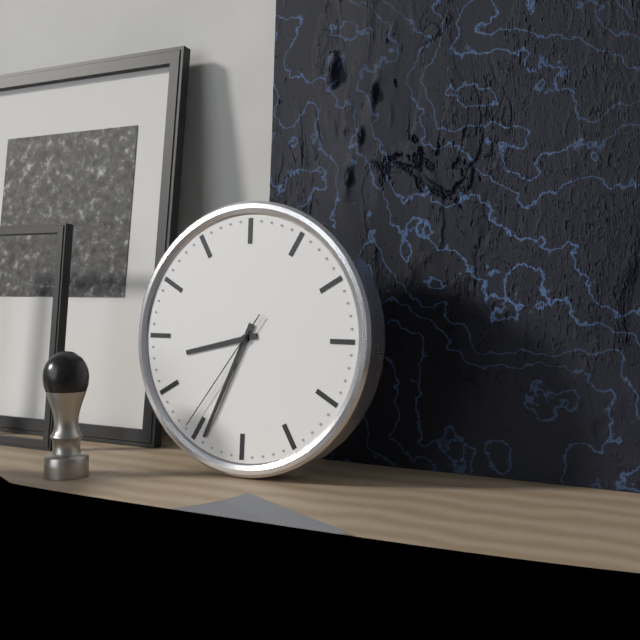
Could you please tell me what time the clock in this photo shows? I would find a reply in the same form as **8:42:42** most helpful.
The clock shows **8:34:36**
